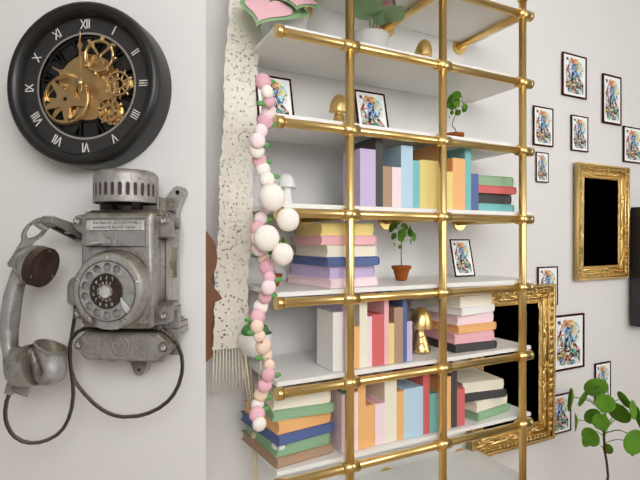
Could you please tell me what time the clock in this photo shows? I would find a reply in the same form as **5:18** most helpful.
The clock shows **10:00**
